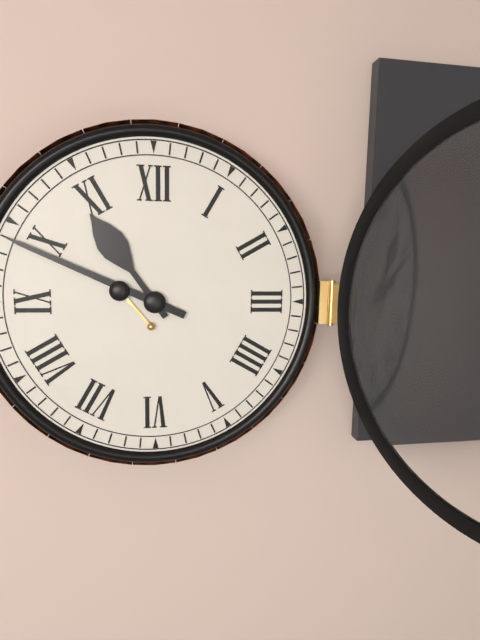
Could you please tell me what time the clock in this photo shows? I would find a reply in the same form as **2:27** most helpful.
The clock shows **10:49**
